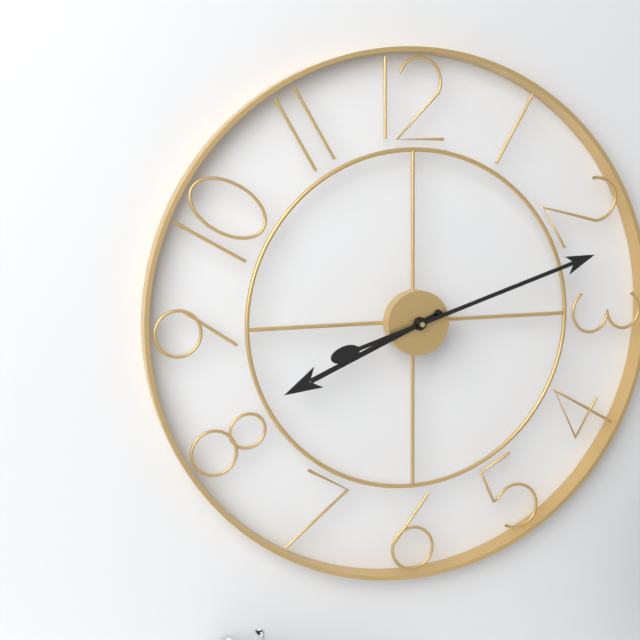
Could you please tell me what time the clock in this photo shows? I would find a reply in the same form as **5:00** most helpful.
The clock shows **8:12**
